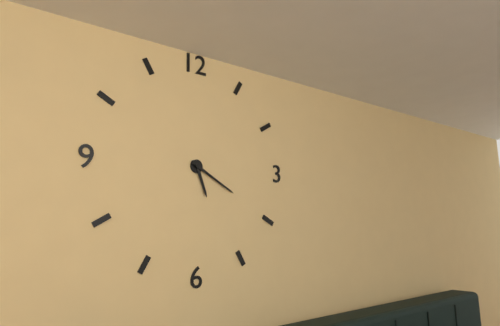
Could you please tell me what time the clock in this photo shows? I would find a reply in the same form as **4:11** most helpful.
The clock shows **5:20**
